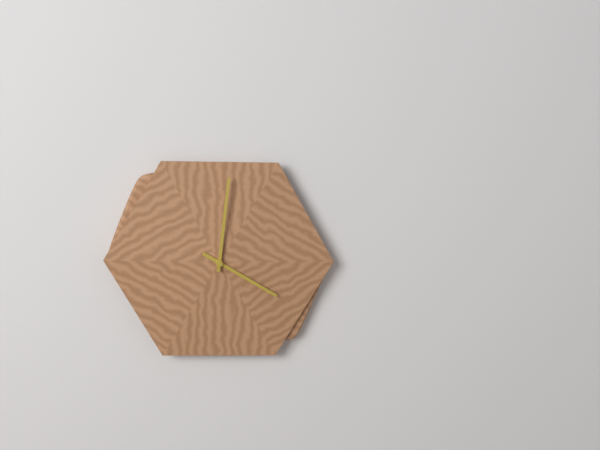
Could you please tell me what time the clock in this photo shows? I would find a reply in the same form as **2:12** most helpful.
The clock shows **4:01**
